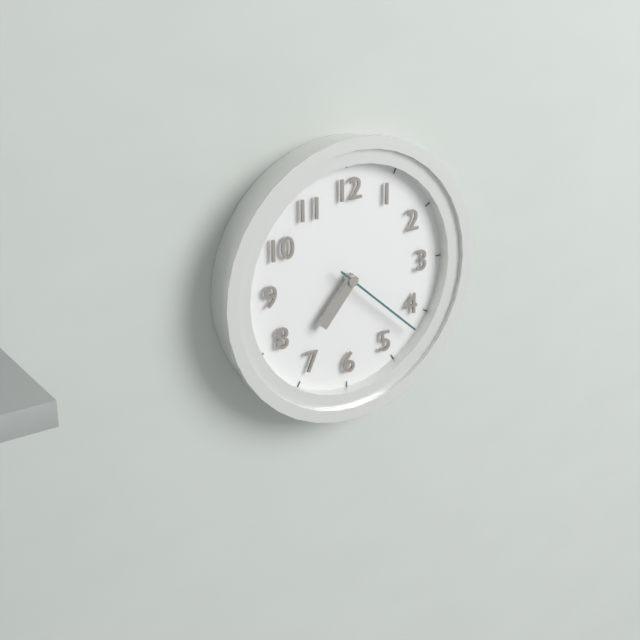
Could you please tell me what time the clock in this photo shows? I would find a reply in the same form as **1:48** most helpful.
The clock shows **7:22**
